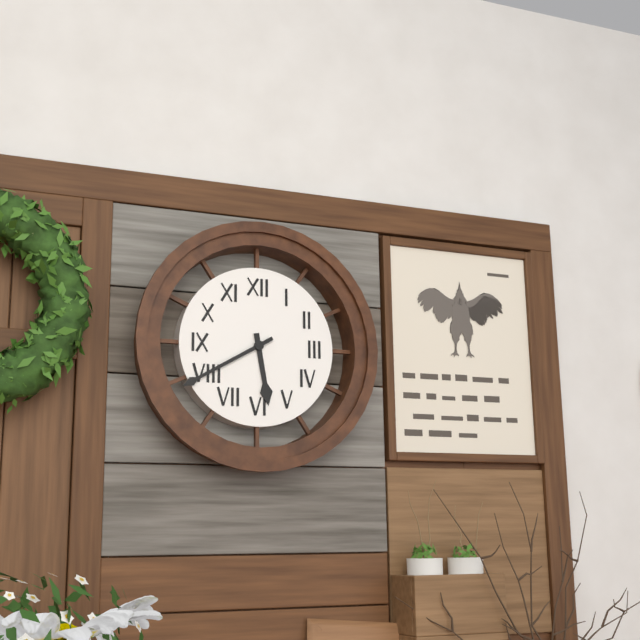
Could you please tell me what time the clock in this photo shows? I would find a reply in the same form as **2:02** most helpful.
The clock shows **5:40**
